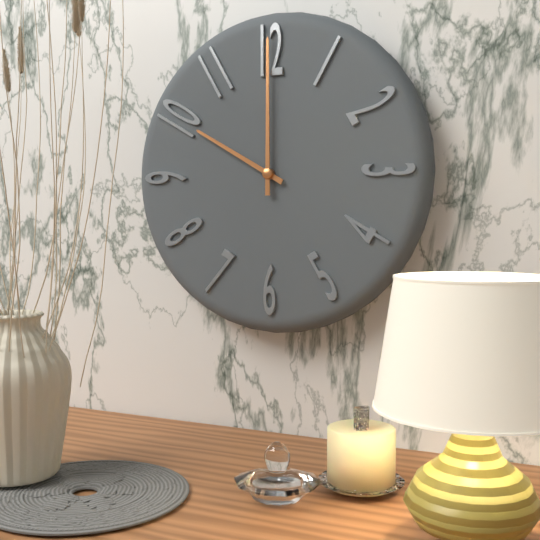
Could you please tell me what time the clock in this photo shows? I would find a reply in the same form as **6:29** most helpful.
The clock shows **10:00**
